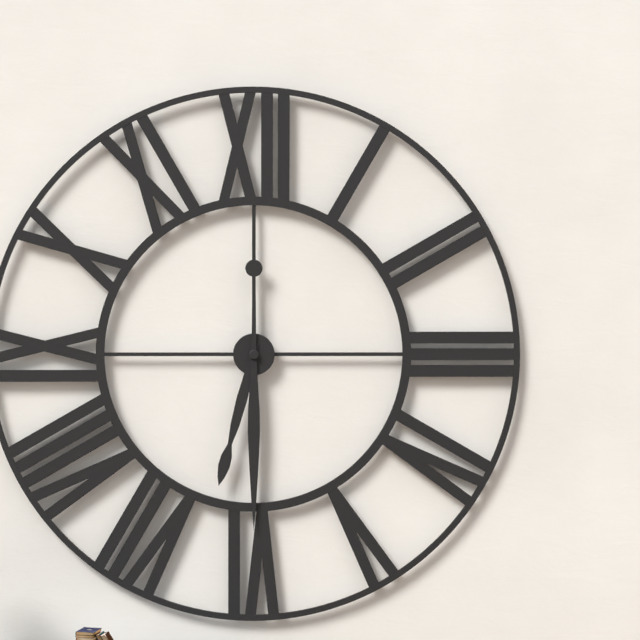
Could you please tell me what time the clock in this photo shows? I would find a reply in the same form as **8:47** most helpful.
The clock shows **6:30**
